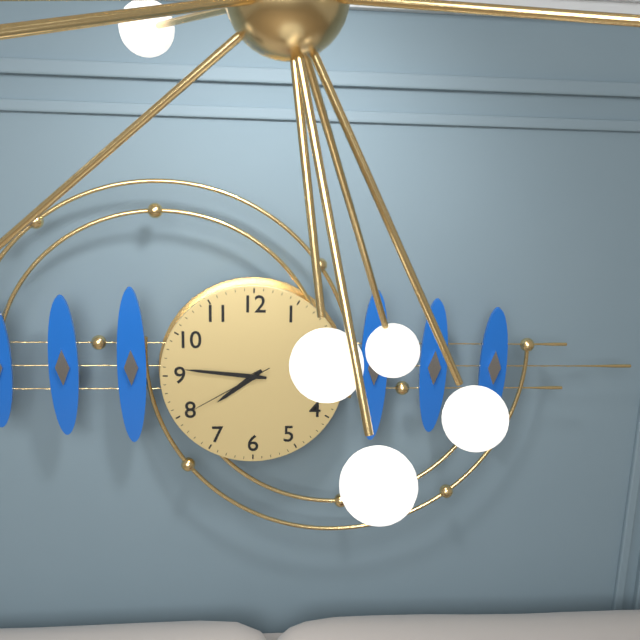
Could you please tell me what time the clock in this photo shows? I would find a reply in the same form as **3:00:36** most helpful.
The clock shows **7:46:40**
